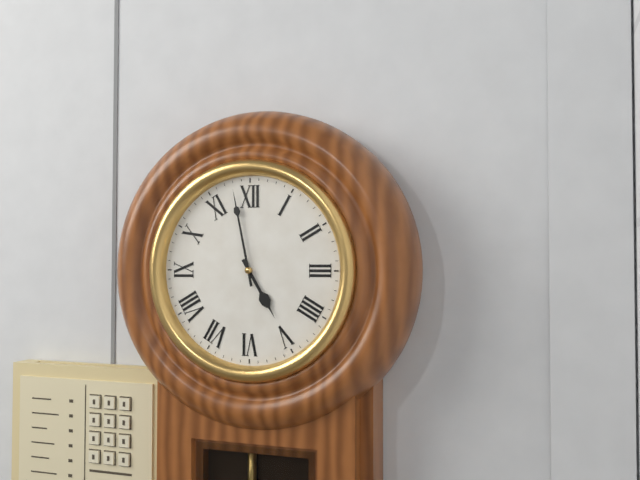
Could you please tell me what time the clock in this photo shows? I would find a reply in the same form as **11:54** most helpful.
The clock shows **4:58**
